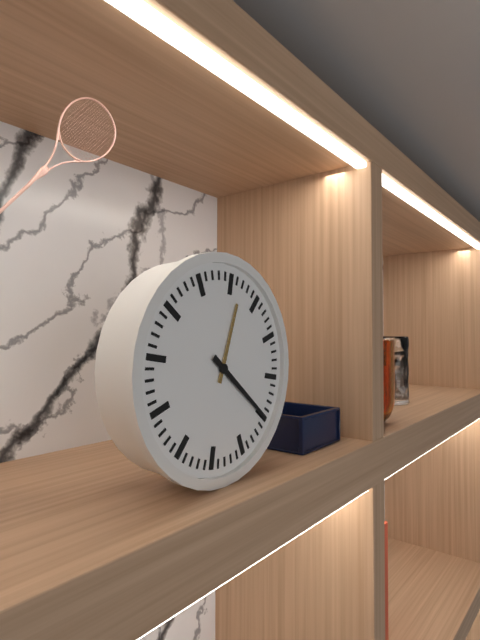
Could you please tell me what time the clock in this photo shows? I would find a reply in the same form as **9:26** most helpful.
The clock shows **12:20**
